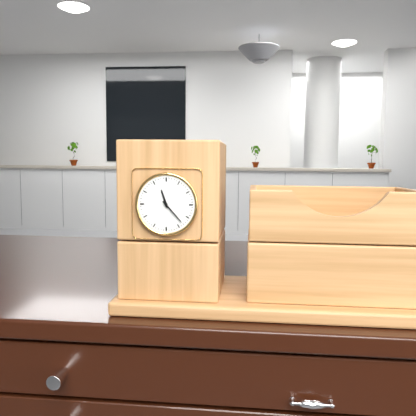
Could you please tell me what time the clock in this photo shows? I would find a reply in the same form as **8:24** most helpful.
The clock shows **11:23**
